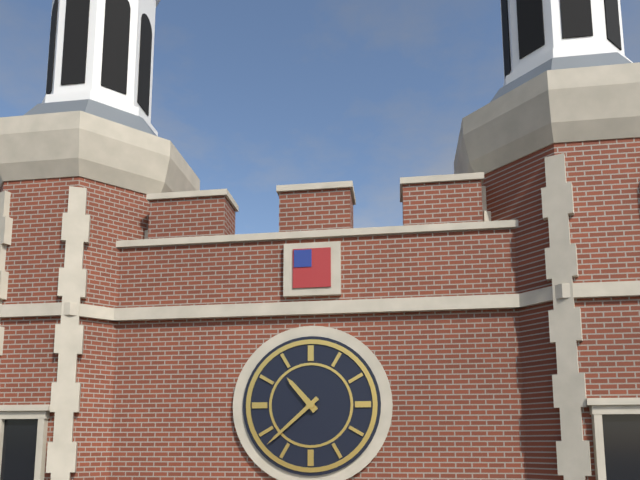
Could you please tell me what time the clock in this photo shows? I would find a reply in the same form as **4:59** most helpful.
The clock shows **10:38**
